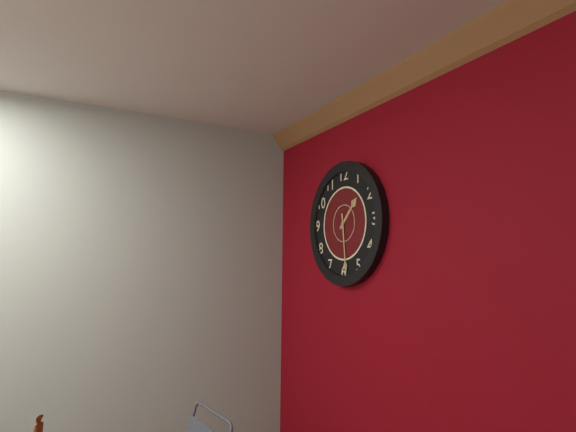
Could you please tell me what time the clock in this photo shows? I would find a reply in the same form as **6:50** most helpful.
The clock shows **1:29**
